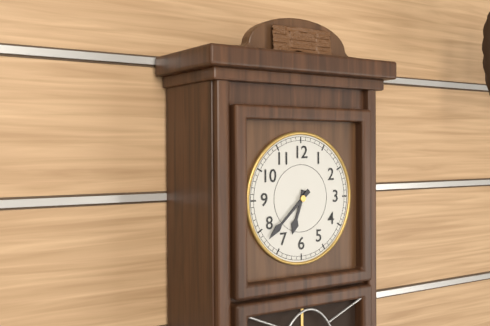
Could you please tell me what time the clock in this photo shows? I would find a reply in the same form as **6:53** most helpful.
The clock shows **6:38**
